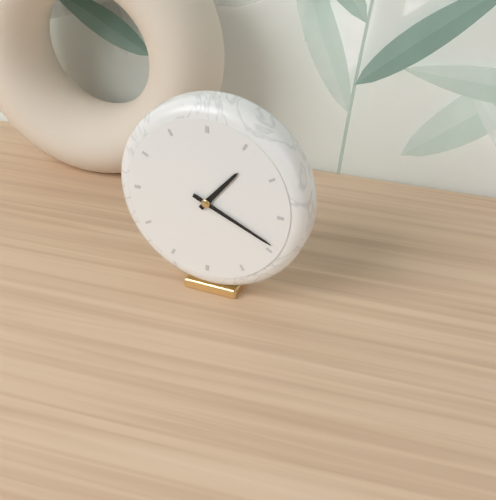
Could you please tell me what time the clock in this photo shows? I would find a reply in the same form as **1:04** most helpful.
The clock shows **1:19**
